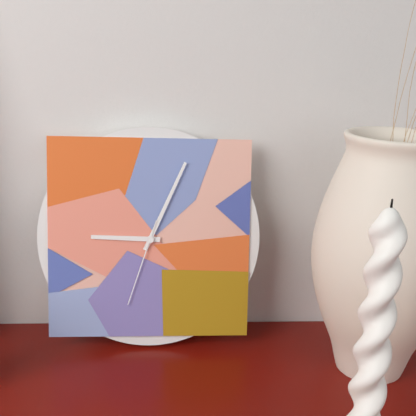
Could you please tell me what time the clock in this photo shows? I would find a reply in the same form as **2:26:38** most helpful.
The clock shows **9:04:33**
